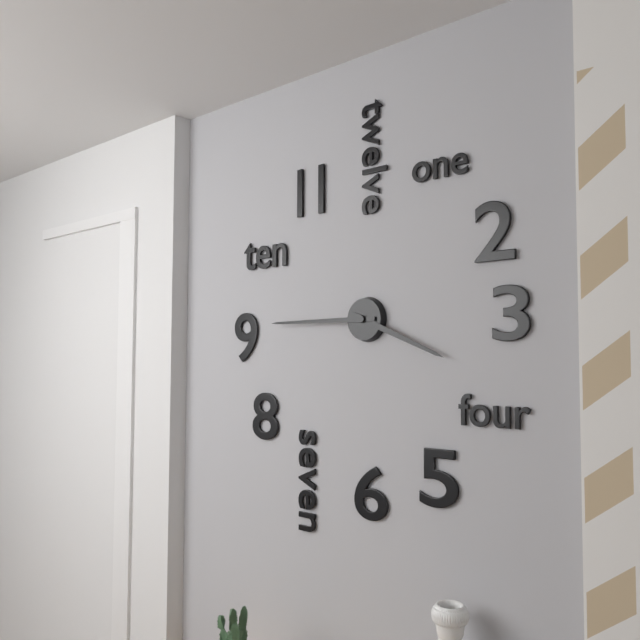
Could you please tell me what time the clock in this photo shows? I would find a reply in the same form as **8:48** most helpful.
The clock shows **3:45**
